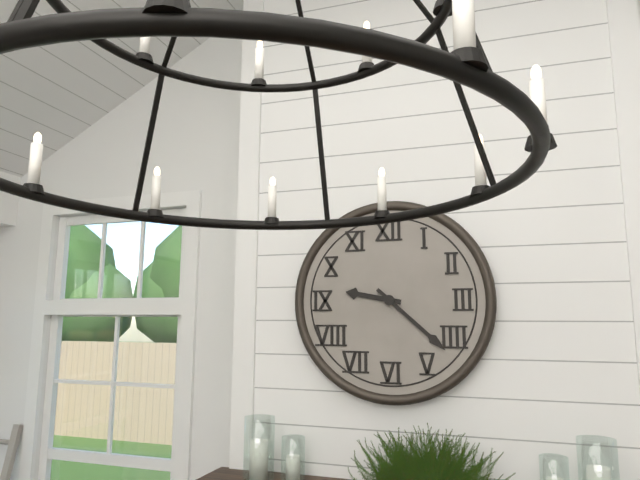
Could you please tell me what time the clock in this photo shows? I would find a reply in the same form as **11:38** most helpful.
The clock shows **9:22**
